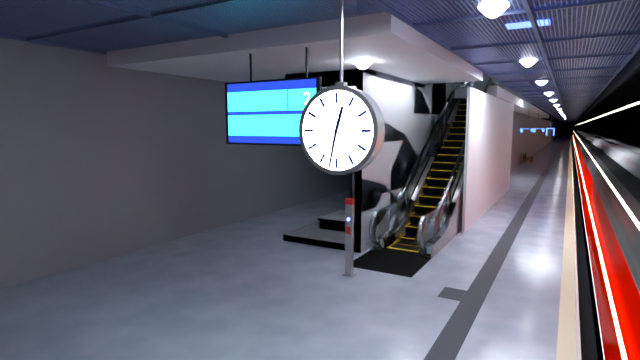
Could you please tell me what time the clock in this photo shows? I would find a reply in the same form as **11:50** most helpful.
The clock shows **12:32**
